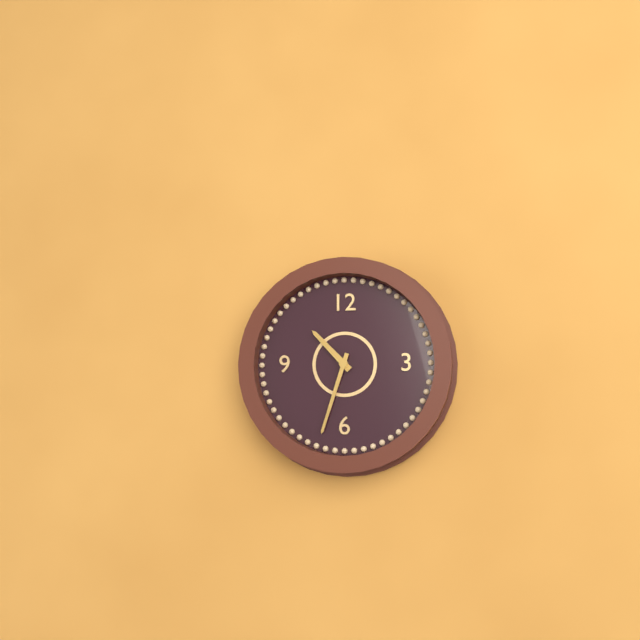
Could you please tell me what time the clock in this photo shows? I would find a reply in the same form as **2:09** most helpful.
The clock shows **10:33**
